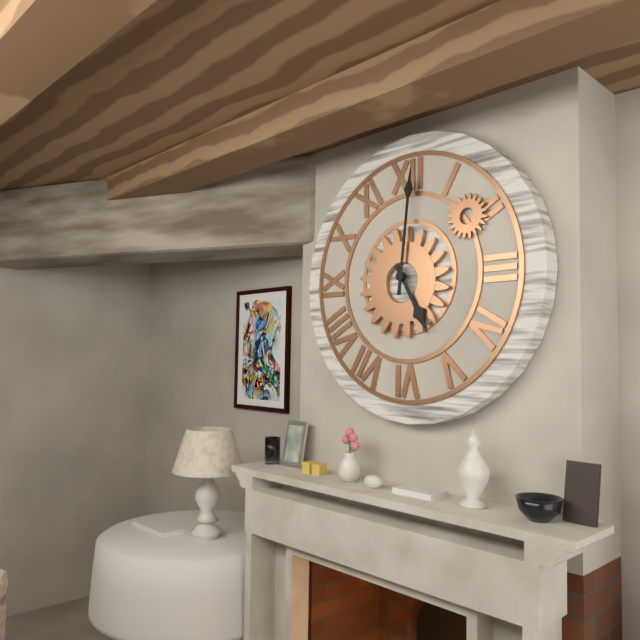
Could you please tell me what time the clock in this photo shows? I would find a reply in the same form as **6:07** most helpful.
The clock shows **5:01**
